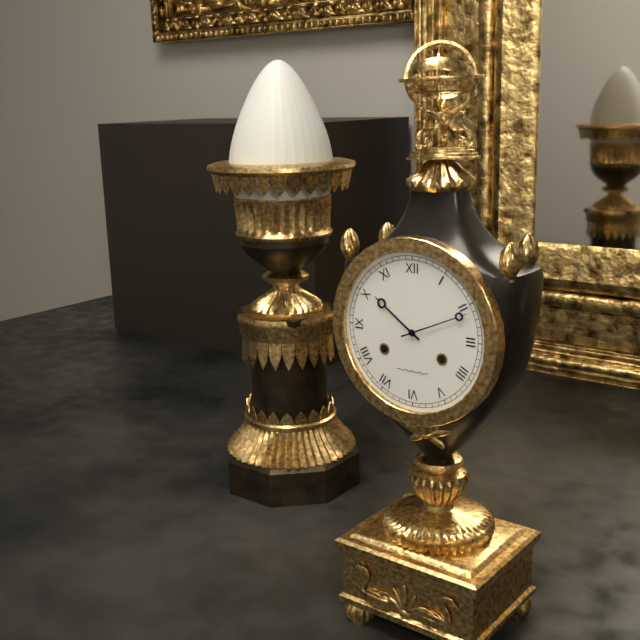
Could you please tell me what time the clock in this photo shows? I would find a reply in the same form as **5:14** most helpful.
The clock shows **10:11**
